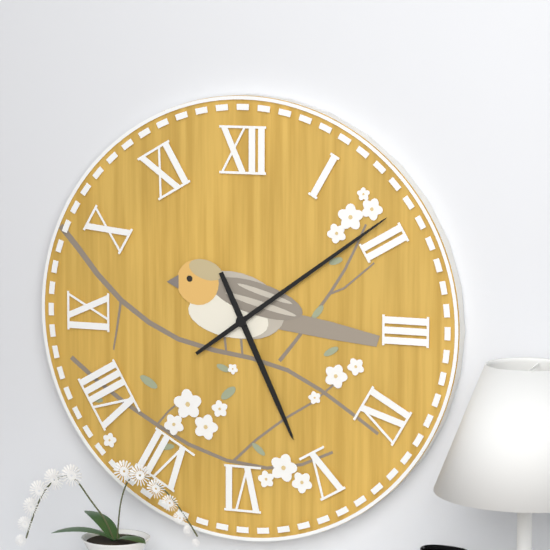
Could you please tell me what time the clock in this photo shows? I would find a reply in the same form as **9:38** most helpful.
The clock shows **5:09**
